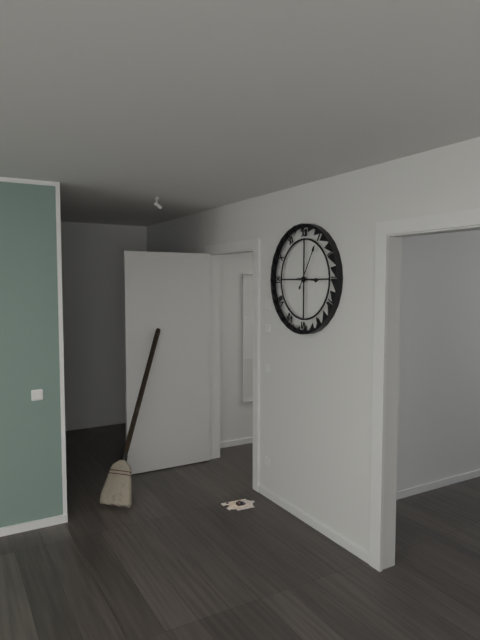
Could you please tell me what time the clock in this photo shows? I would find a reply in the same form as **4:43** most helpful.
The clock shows **3:05**
